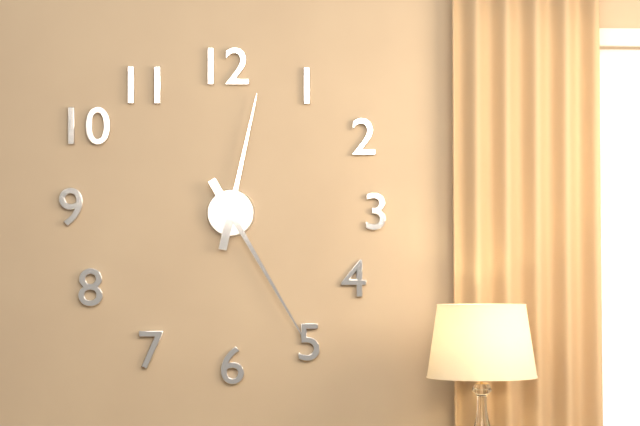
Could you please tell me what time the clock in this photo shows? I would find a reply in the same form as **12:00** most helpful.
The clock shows **12:25**
